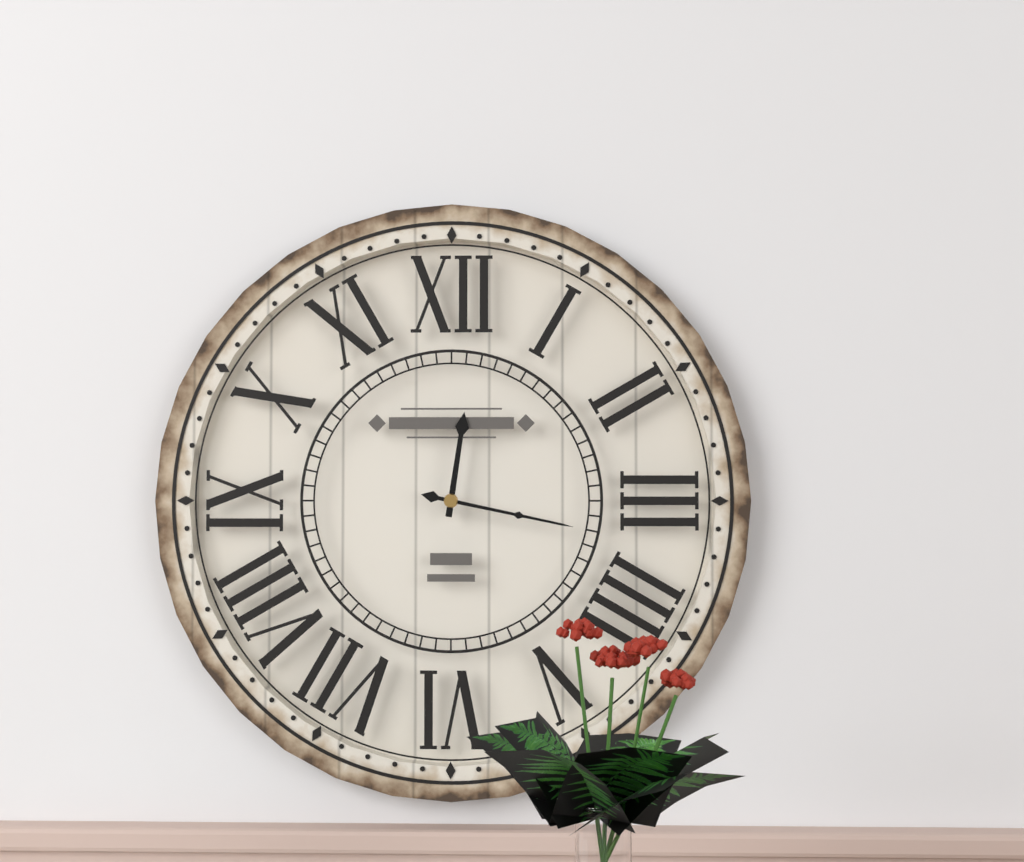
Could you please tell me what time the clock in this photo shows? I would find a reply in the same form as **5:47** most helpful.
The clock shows **12:17**
